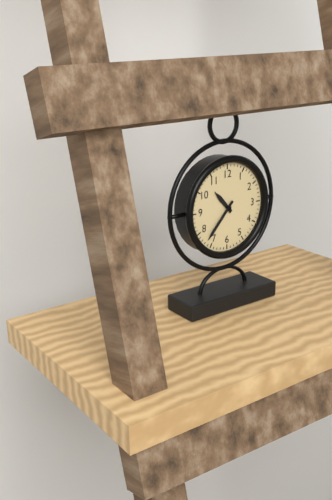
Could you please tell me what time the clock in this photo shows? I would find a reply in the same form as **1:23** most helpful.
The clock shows **10:37**
